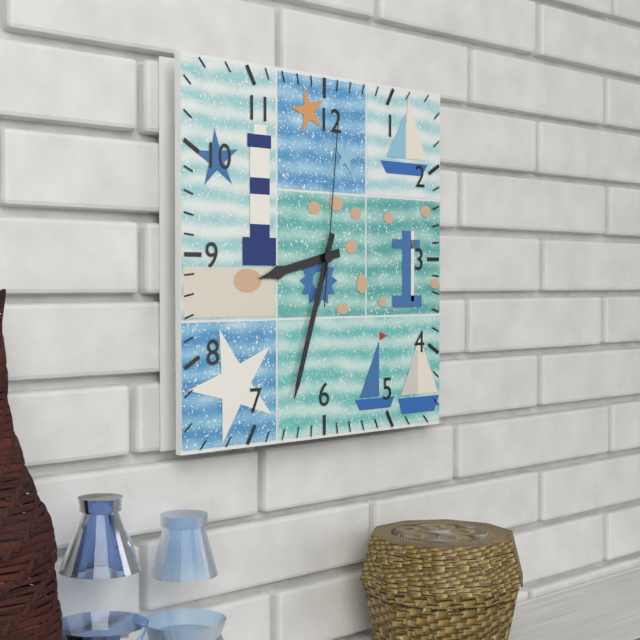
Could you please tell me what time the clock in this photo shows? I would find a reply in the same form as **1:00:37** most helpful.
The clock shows **8:33:01**
